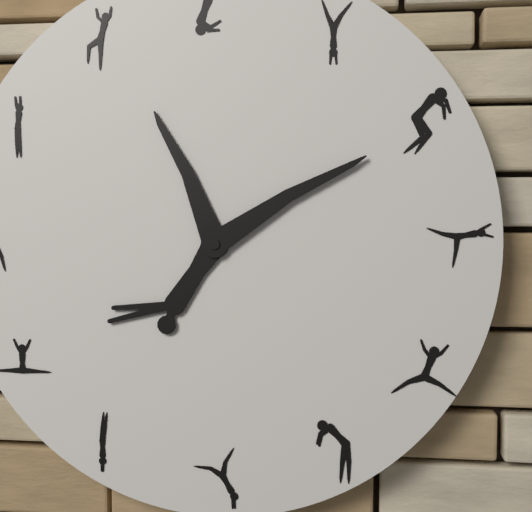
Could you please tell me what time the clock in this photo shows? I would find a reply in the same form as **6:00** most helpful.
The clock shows **11:10**
